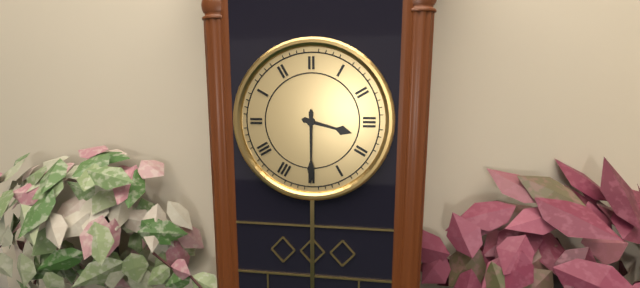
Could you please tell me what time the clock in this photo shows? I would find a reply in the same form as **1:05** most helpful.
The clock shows **3:30**
